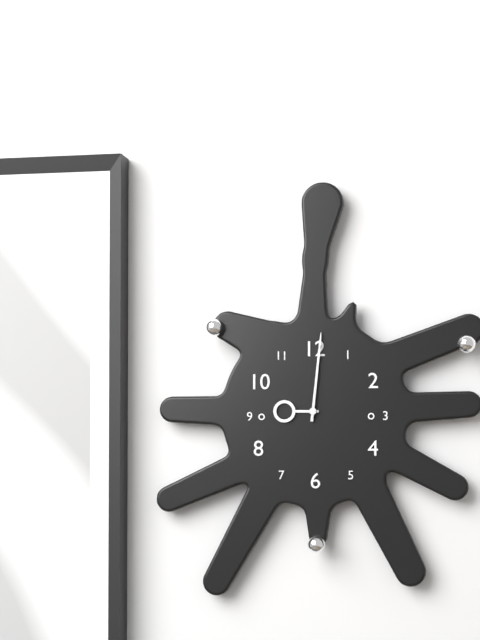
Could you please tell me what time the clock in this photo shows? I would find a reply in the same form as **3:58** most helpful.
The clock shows **9:01**
